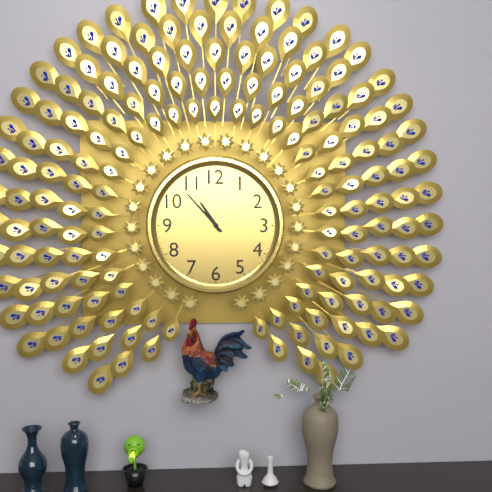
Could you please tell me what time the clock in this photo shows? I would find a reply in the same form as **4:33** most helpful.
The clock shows **10:53**
